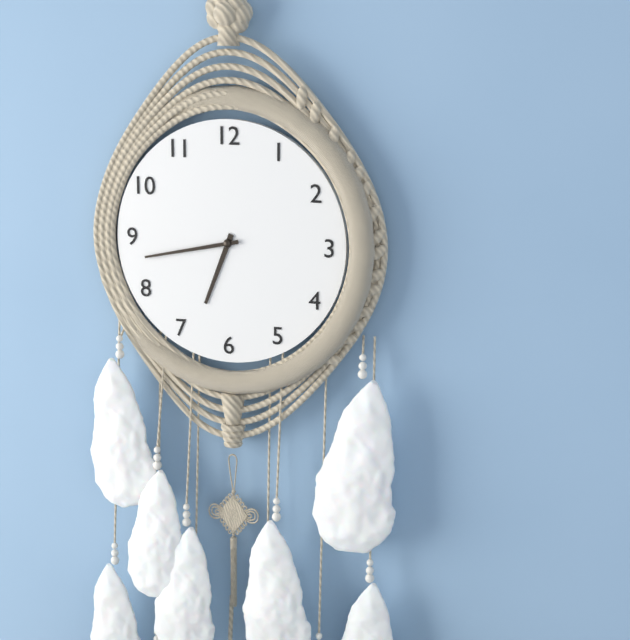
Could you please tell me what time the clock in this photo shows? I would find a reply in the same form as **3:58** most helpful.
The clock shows **6:43**
